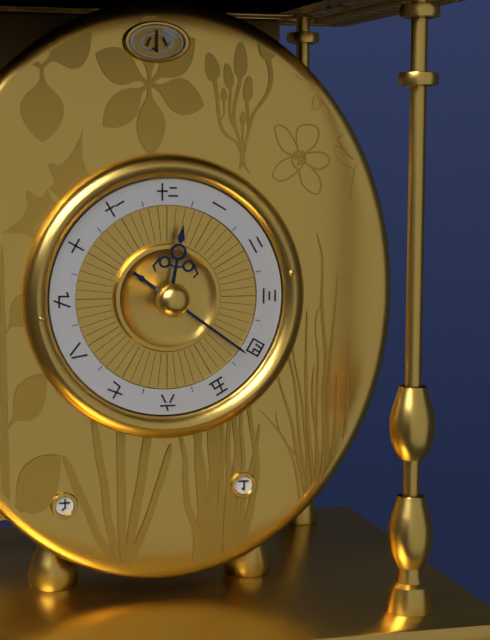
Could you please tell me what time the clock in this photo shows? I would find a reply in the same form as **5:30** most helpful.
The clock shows **12:21**
